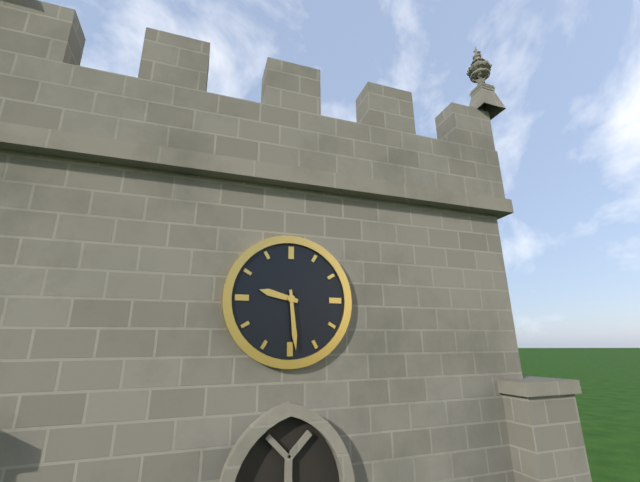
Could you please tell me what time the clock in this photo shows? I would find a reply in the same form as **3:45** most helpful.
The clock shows **9:29**
